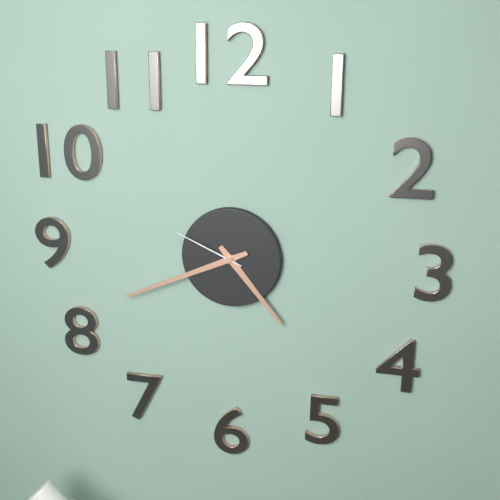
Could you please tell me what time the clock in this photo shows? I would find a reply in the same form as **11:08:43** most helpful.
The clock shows **4:41:49**
